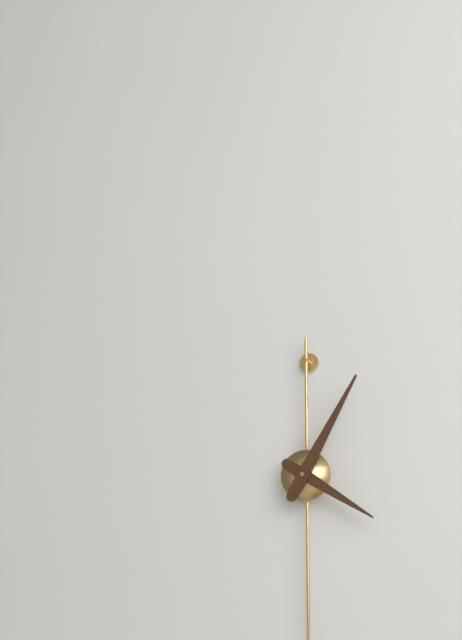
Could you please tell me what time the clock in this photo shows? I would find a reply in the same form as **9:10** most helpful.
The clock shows **4:05**
